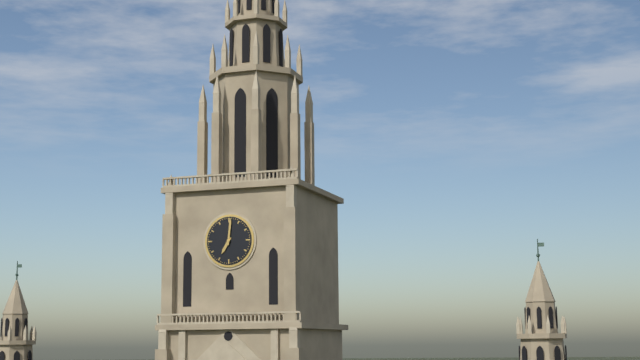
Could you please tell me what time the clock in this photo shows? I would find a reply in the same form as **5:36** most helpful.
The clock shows **7:01**
